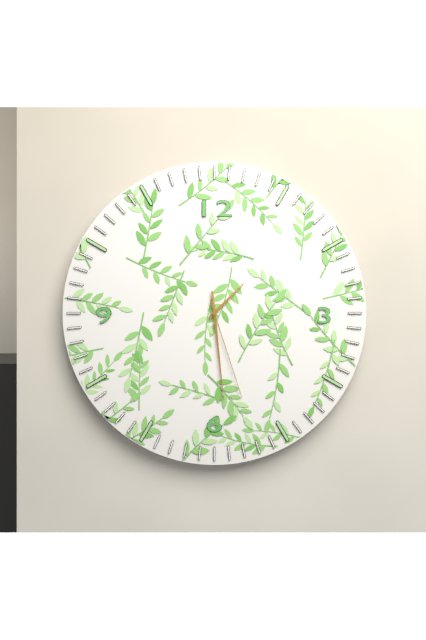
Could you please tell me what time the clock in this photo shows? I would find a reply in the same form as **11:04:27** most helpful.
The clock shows **1:29:27**
